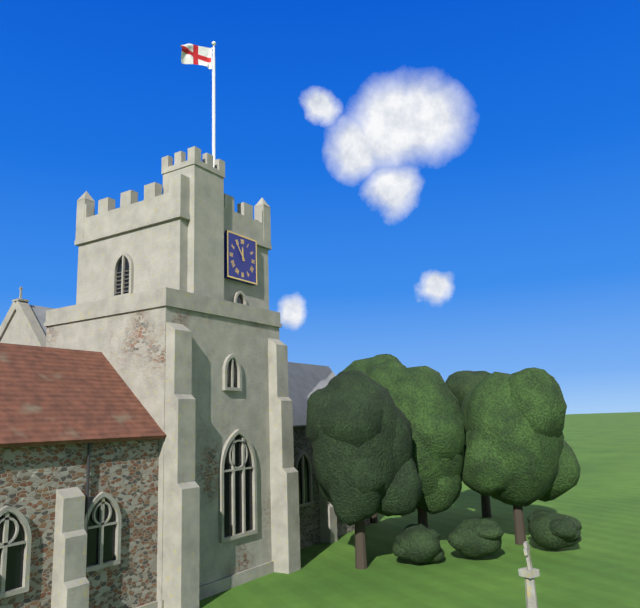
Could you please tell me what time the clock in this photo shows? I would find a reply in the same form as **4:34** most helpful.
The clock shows **11:54**
